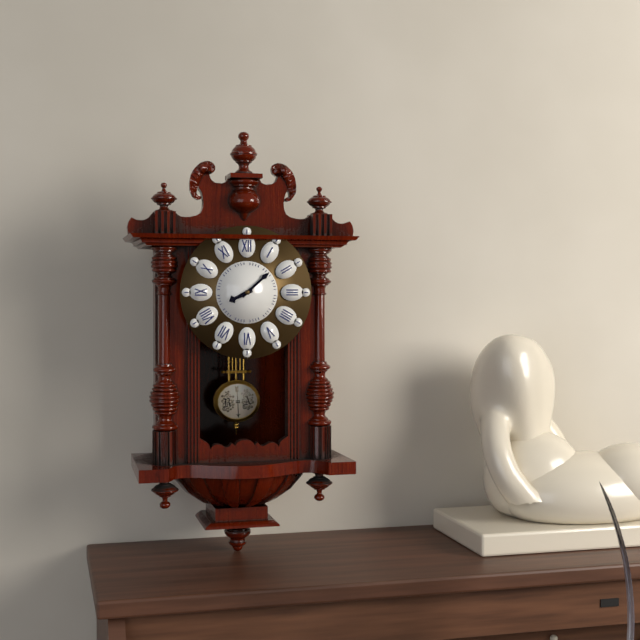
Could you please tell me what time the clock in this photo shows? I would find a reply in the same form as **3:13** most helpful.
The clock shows **8:08**
